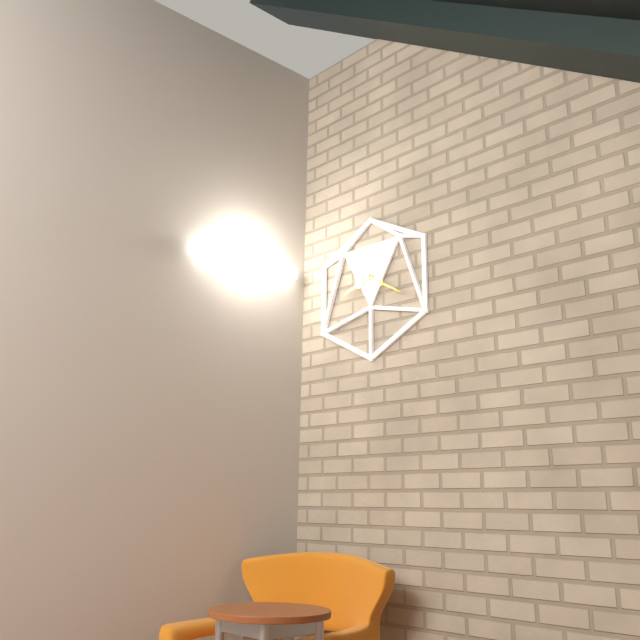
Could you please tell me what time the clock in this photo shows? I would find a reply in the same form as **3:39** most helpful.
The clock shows **8:20**
